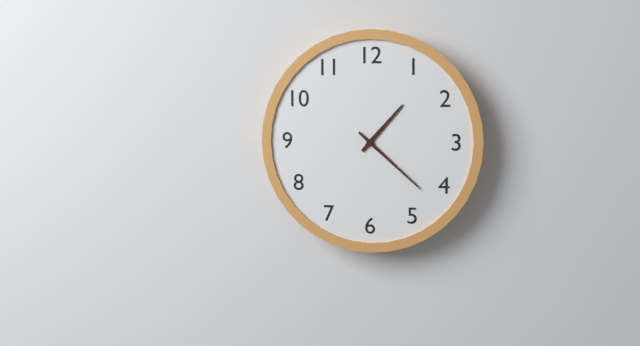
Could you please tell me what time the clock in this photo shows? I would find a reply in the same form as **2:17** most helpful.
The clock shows **1:22**
